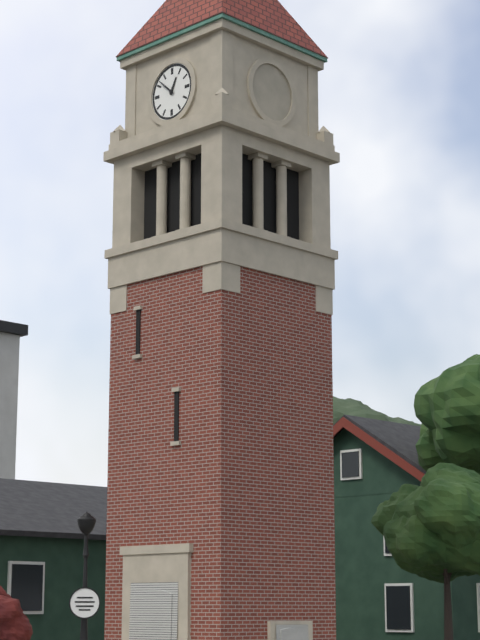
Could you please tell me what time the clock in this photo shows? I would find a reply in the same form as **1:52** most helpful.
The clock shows **12:52**
